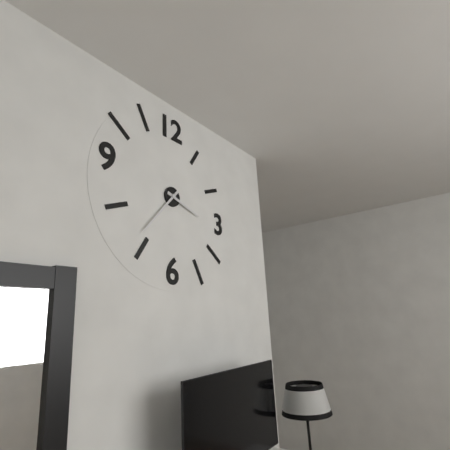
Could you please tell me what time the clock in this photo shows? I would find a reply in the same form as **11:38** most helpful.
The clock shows **3:37**
